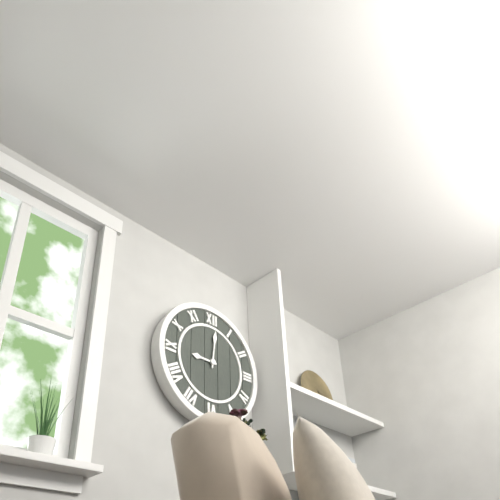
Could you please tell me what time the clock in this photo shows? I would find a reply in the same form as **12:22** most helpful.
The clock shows **9:01**
